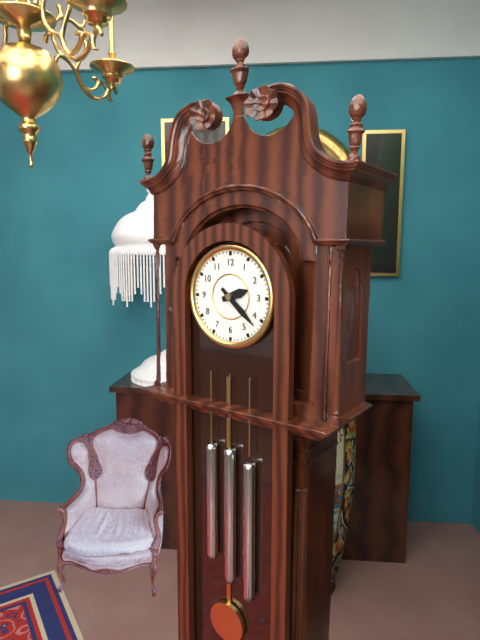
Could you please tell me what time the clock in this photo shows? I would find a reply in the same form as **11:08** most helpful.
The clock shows **2:22**
